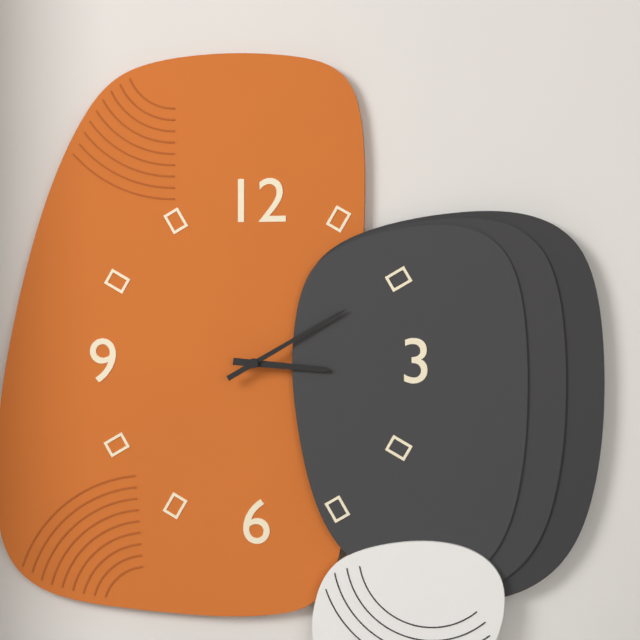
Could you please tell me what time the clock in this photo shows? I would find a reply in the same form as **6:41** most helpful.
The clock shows **3:10**
